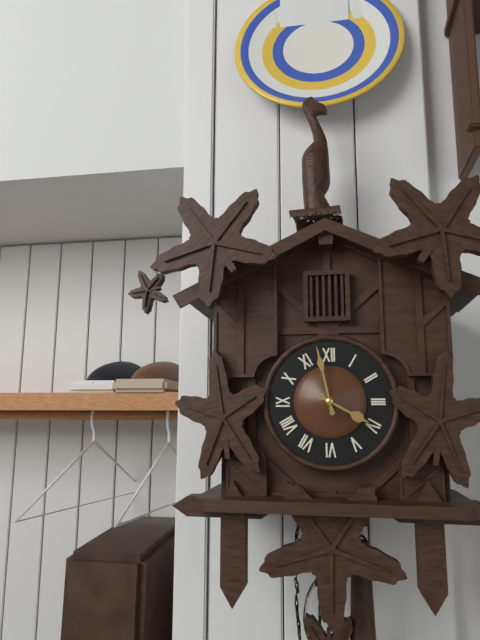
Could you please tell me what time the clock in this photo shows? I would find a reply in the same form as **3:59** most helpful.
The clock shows **3:58**
